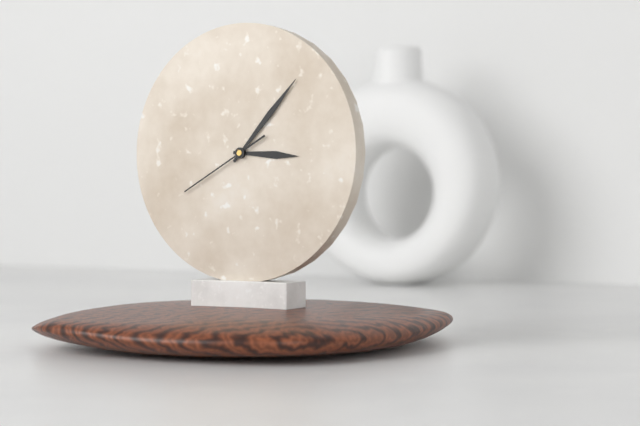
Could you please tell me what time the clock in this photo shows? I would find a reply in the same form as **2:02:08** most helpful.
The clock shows **3:07:40**
